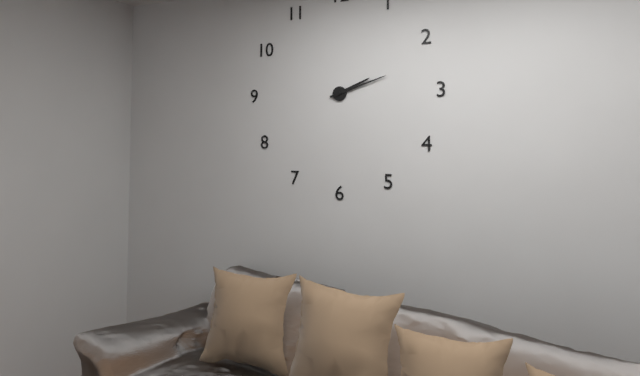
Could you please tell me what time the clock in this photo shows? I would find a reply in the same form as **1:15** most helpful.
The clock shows **2:12**
